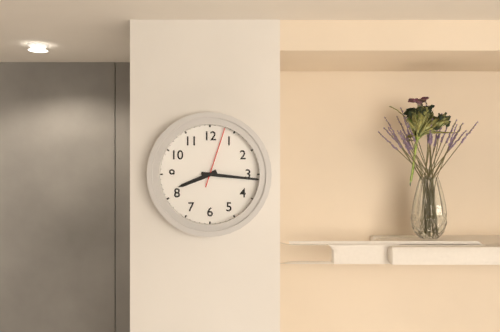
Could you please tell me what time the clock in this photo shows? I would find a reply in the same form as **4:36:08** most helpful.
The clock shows **8:16:03**
